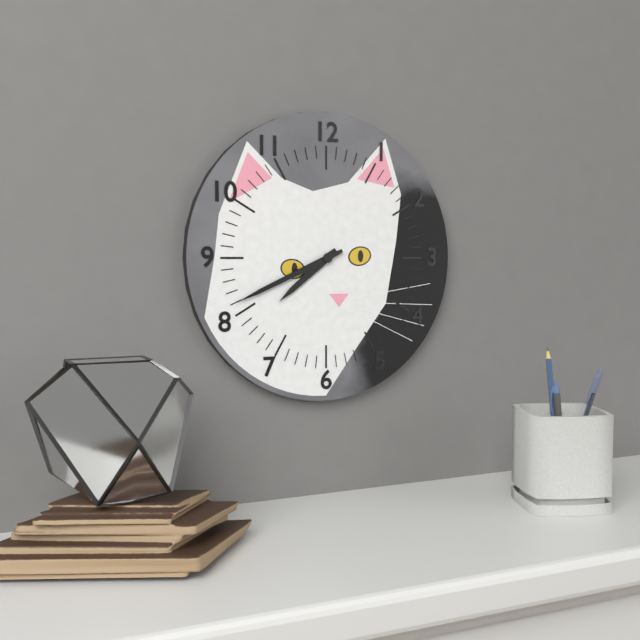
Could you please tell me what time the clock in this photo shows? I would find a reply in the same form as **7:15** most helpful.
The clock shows **7:41**
